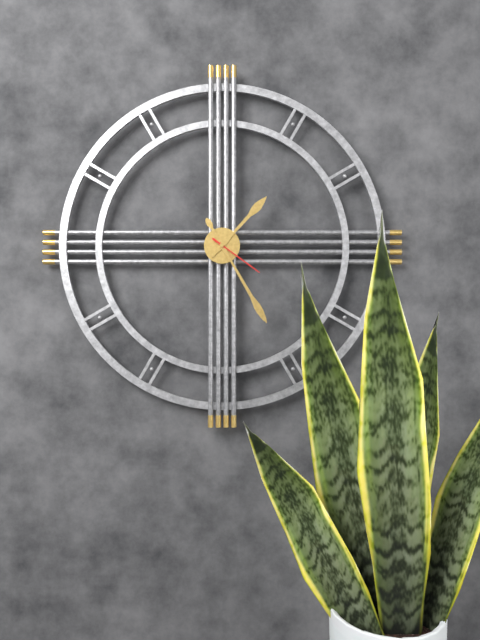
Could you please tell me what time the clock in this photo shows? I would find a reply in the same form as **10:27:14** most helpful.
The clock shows **1:25:21**
